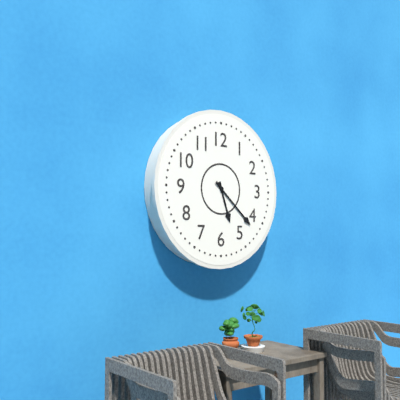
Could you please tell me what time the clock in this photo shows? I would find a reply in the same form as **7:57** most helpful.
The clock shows **5:22**
